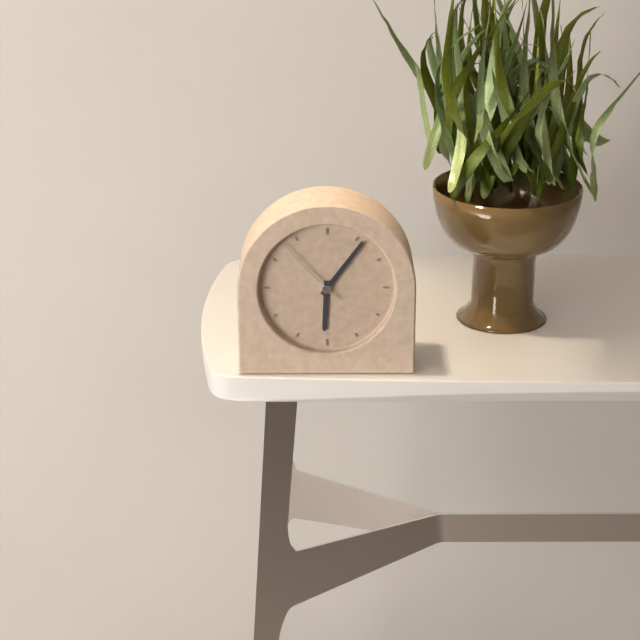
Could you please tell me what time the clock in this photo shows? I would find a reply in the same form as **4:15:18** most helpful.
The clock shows **6:06:53**
